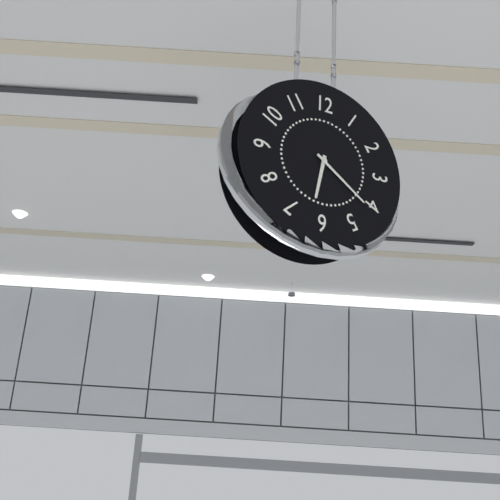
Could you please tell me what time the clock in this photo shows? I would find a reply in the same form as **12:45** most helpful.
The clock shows **6:21**
